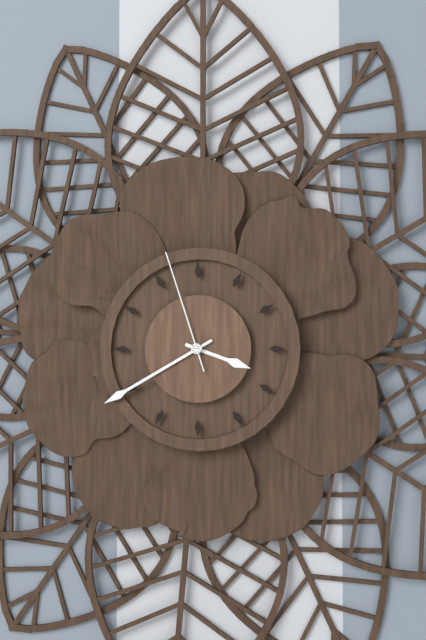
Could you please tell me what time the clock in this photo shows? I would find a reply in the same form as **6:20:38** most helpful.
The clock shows **3:40:57**
